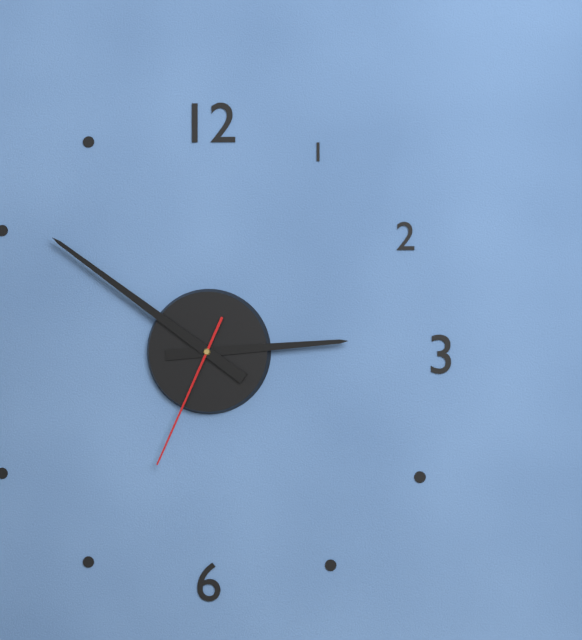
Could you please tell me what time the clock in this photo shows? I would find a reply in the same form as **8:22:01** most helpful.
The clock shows **2:51:34**
